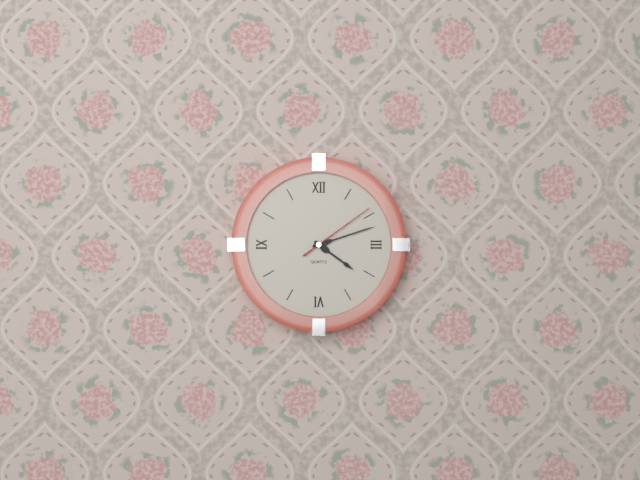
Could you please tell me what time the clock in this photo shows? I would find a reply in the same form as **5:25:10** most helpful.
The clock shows **4:12:09**
